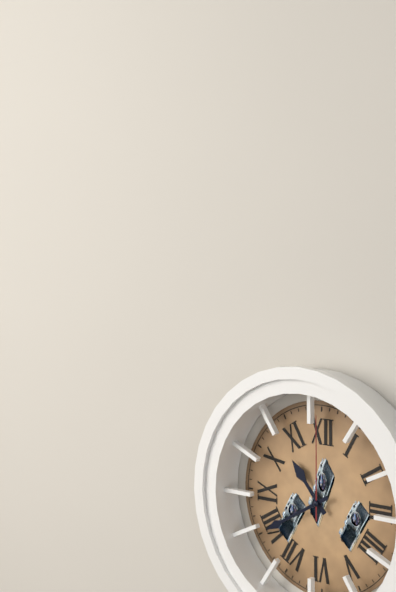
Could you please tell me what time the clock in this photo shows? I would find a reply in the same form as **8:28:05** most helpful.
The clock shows **10:40:00**
